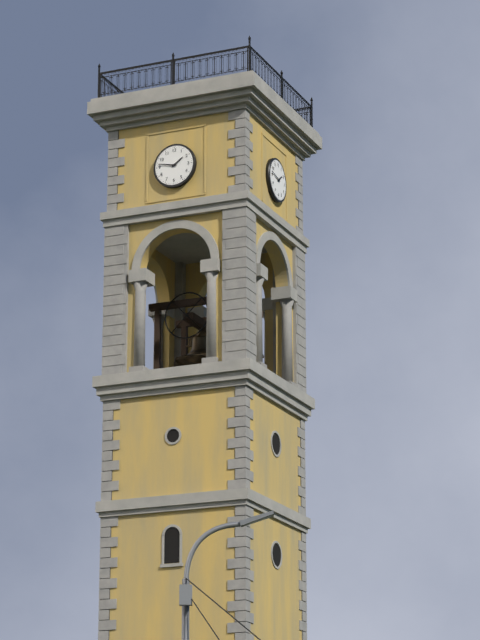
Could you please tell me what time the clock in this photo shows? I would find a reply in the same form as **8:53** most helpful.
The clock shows **1:47**
